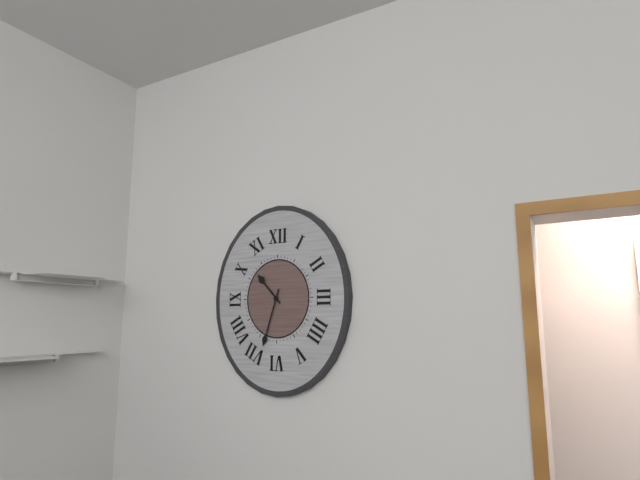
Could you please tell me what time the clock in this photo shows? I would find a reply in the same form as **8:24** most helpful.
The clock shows **10:33**
